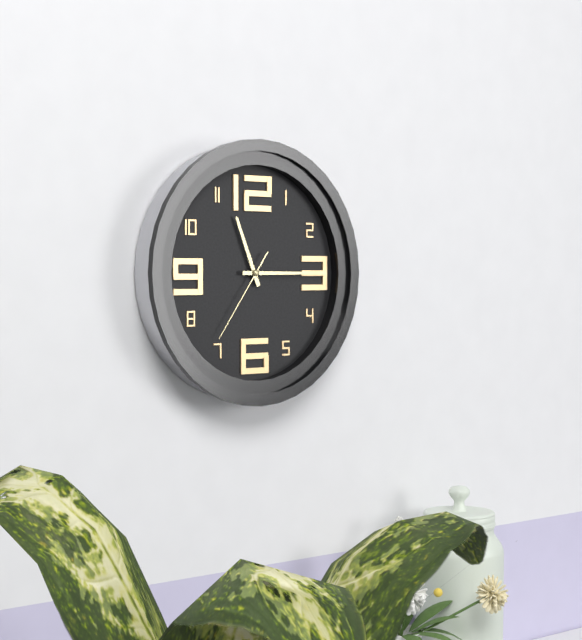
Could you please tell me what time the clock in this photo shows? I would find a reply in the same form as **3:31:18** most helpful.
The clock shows **11:15:36**
